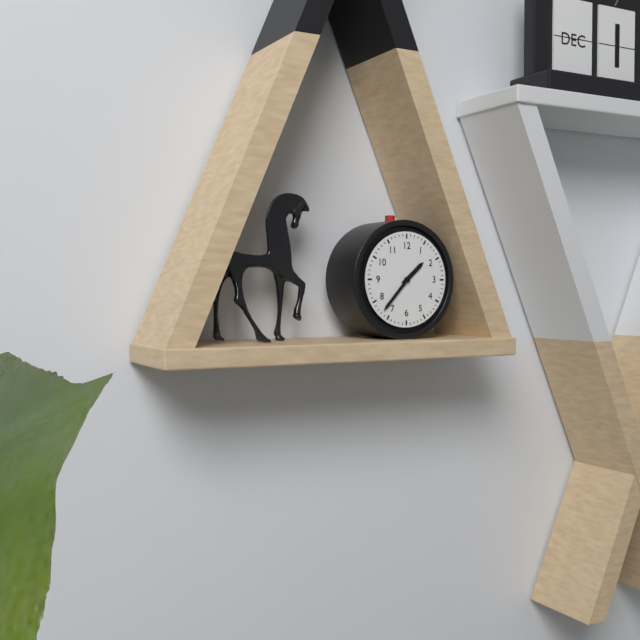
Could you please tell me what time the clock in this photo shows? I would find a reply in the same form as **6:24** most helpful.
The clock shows **1:37**
